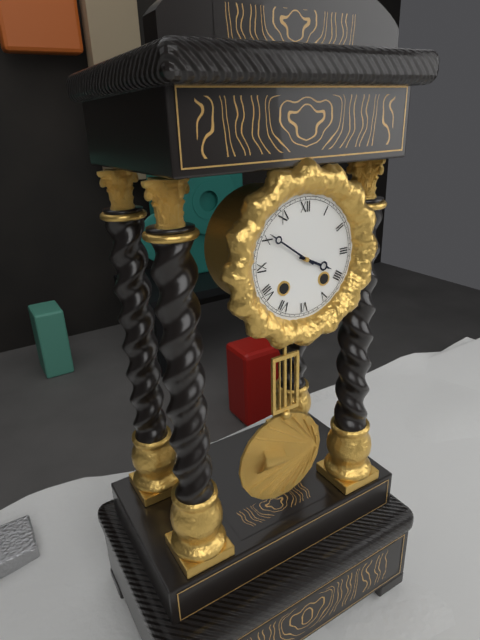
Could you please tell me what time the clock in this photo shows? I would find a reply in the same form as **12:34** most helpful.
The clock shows **3:51**
